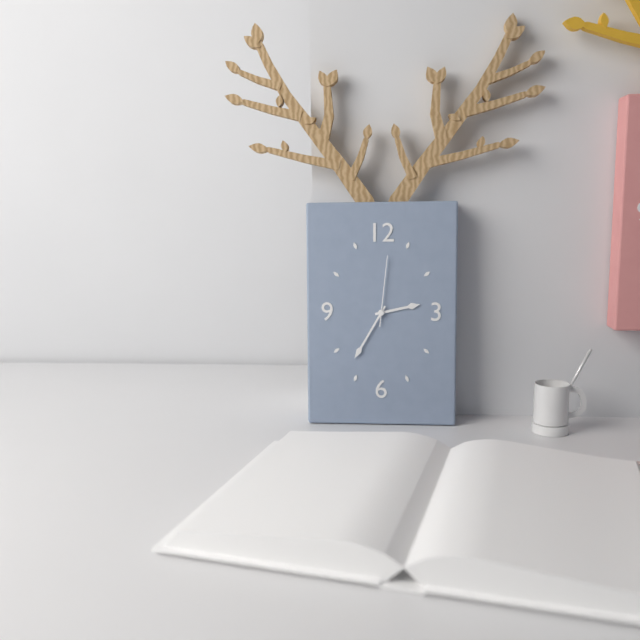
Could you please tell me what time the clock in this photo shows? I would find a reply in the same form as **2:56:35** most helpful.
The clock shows **2:35:01**
